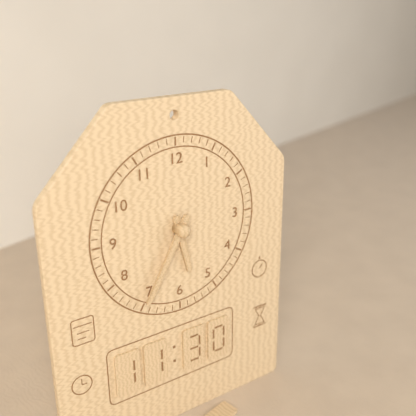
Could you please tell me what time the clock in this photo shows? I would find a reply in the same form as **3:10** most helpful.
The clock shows **5:35**
